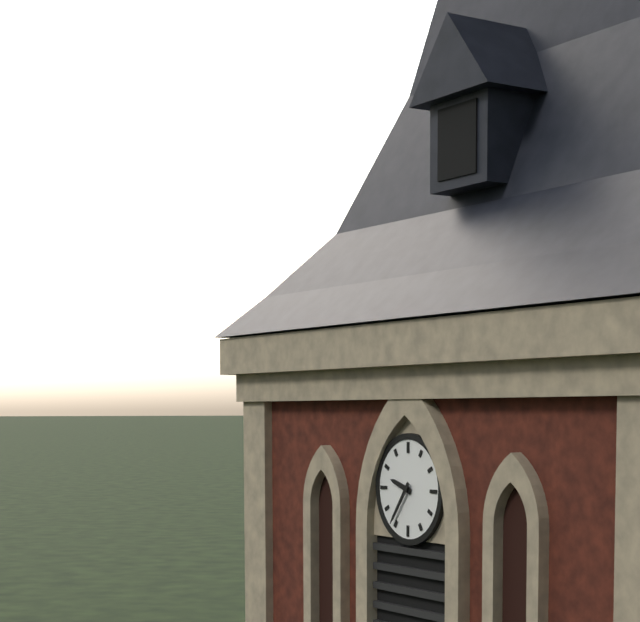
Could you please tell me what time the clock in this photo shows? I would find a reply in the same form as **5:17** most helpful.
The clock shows **9:36**
